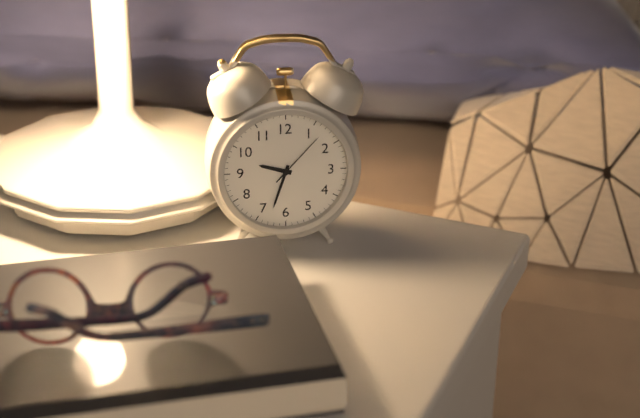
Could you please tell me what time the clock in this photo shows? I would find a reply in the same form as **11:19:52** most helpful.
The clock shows **9:33:07**
